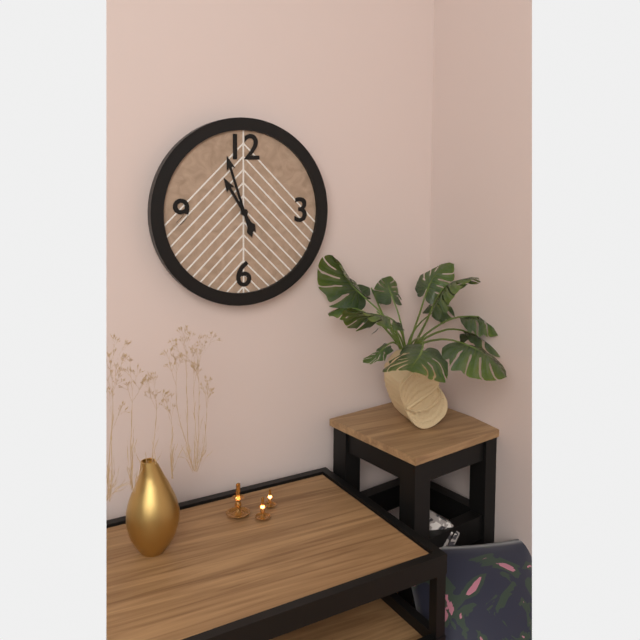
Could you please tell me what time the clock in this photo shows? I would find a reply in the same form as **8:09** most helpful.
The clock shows **10:57**
